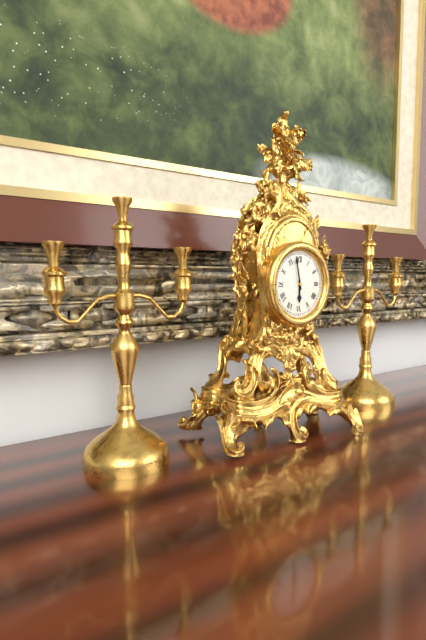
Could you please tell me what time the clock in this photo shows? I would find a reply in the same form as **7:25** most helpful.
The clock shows **5:58**
